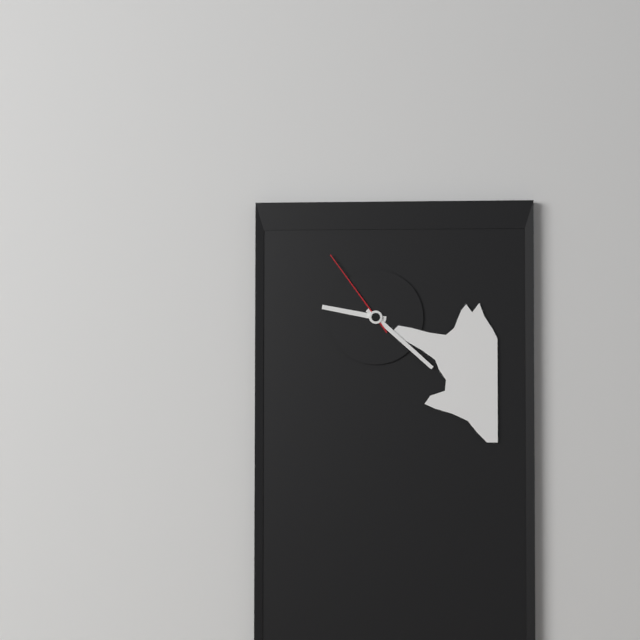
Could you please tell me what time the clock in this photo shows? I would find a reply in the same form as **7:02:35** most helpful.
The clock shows **9:22:54**
